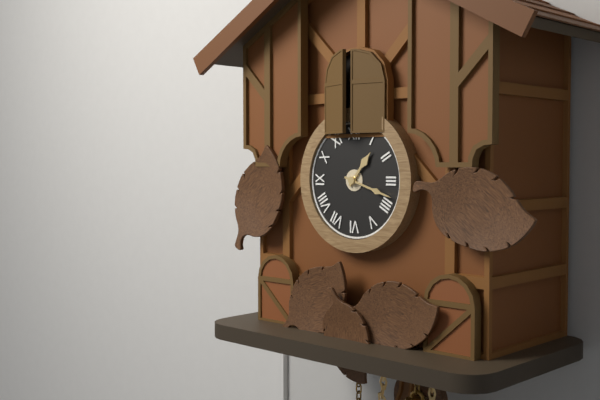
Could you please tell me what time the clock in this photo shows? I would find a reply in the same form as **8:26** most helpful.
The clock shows **1:18**
